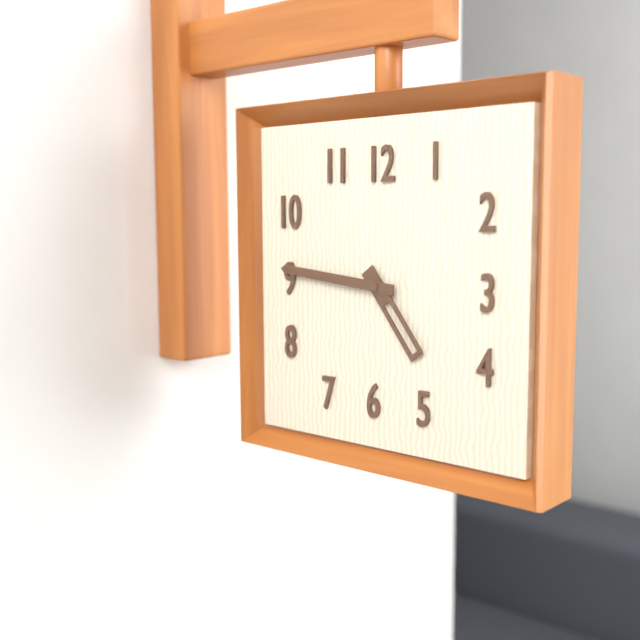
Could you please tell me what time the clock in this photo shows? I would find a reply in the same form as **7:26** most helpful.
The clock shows **4:46**
